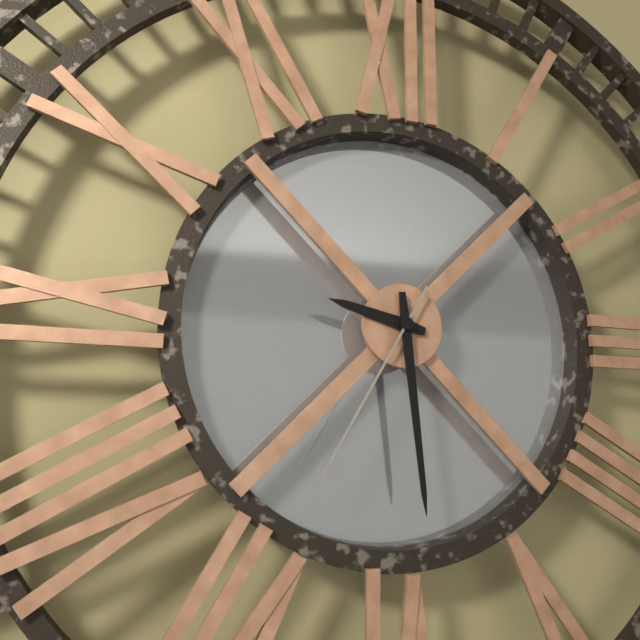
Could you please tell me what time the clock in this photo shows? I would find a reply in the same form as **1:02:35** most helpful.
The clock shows **9:29:35**
